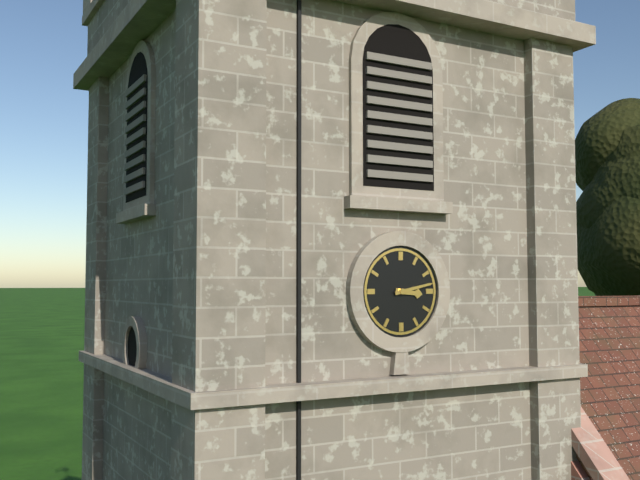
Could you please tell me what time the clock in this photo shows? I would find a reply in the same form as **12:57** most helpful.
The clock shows **3:13**
